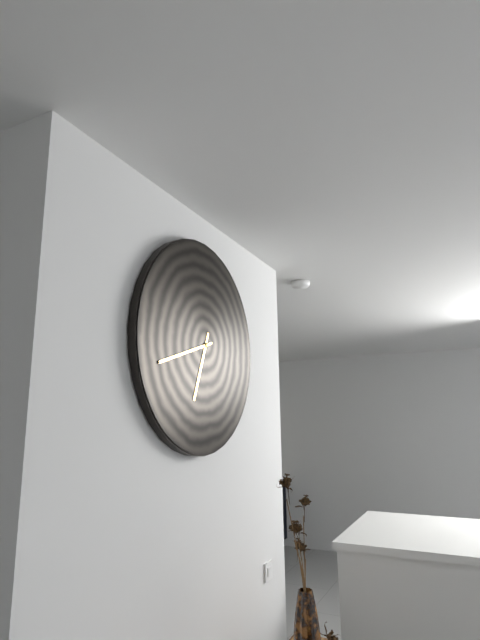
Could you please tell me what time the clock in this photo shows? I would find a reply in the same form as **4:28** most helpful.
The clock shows **6:42**
